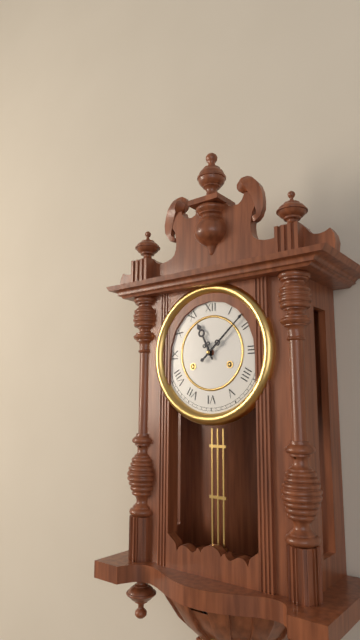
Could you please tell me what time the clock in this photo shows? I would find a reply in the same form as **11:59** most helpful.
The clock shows **11:08**
